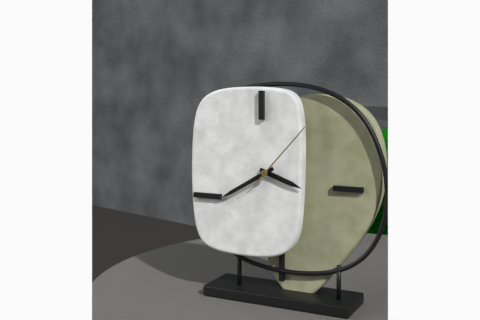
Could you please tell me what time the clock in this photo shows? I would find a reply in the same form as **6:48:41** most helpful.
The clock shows **3:40:07**
